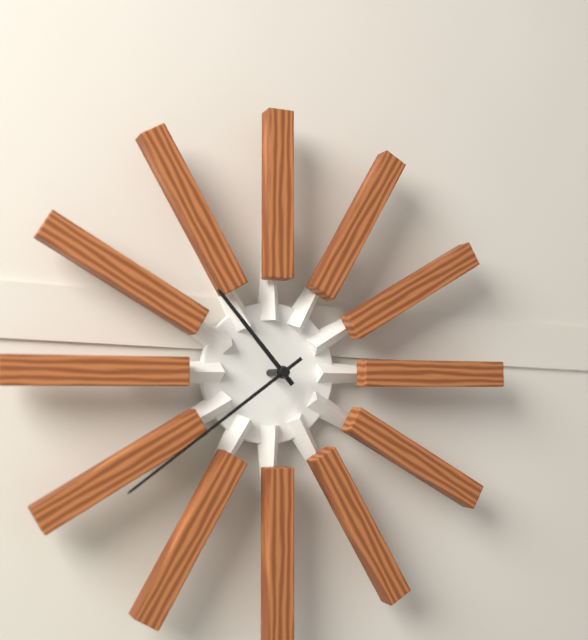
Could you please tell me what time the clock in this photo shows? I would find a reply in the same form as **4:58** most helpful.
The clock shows **10:39**
